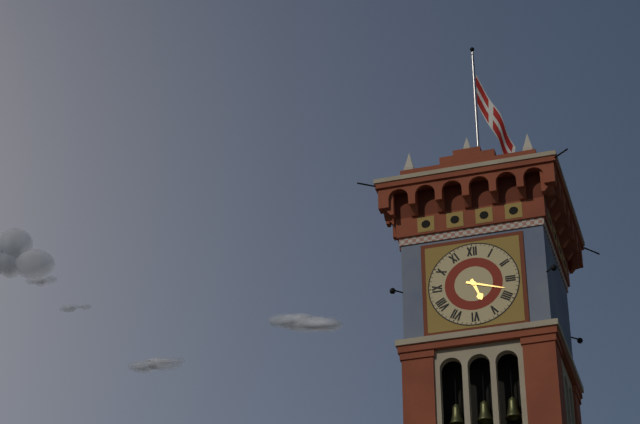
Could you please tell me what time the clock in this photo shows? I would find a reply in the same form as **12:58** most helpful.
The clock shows **5:18**
